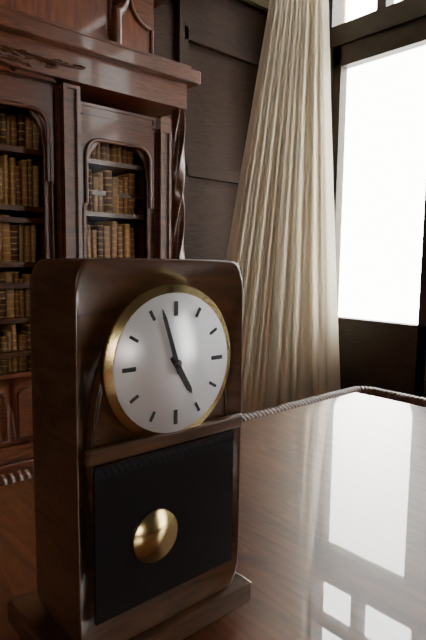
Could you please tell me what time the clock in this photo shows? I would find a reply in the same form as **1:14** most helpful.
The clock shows **4:57**
